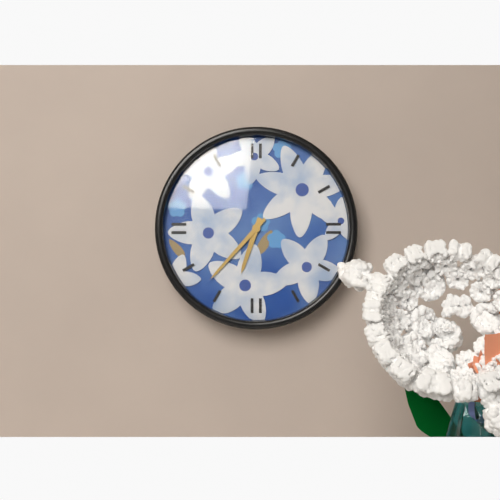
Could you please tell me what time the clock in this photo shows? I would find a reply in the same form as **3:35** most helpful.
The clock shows **6:37**
